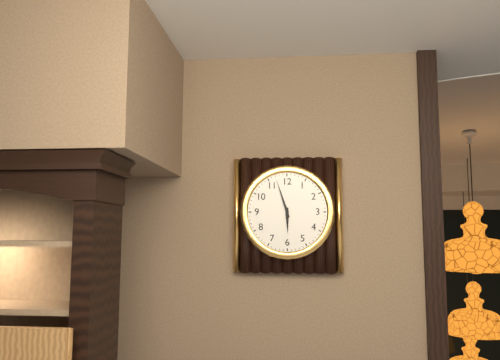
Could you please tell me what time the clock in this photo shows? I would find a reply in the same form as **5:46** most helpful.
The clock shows **5:57**
